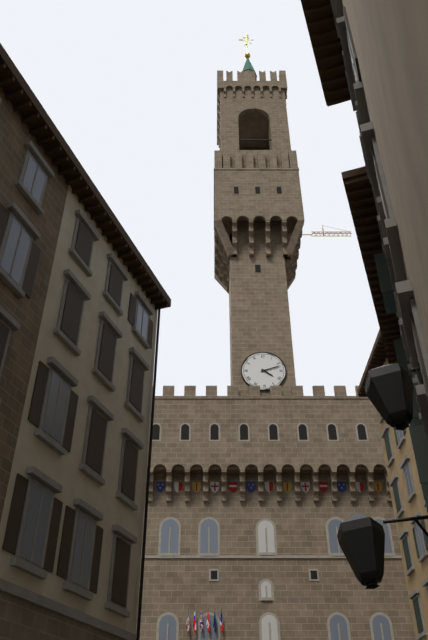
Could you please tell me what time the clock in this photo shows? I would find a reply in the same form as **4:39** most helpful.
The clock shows **4:12**
